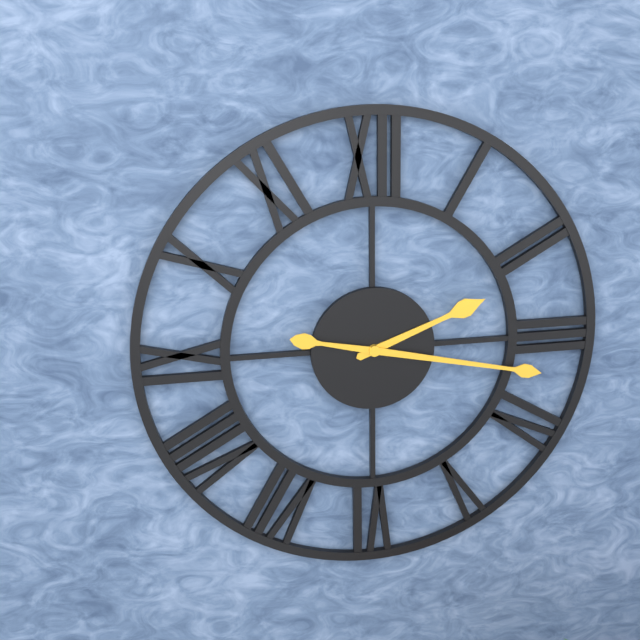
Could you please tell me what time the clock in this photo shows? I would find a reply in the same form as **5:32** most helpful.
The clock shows **2:17**
